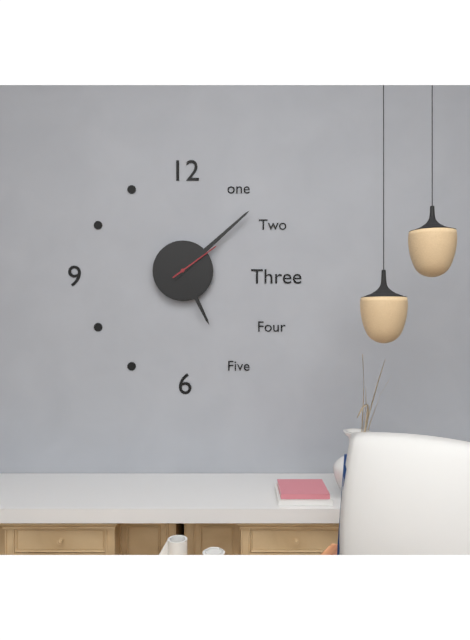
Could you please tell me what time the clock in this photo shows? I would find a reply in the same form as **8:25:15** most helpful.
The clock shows **5:08:09**
